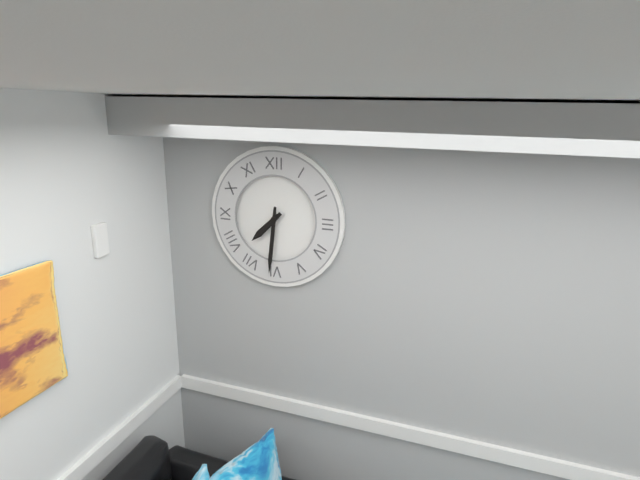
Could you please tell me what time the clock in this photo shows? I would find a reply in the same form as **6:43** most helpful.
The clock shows **7:31**
